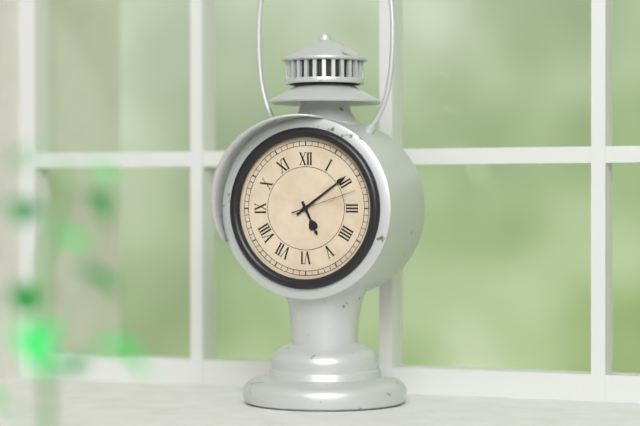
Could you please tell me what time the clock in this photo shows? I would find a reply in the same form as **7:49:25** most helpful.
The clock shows **5:09:12**
